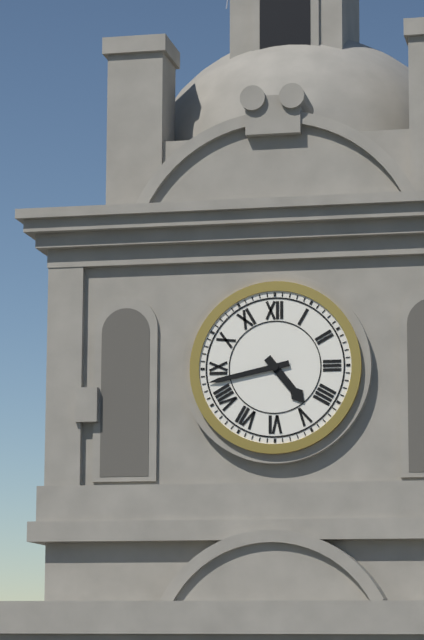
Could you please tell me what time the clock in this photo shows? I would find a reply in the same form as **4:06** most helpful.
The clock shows **4:43**
